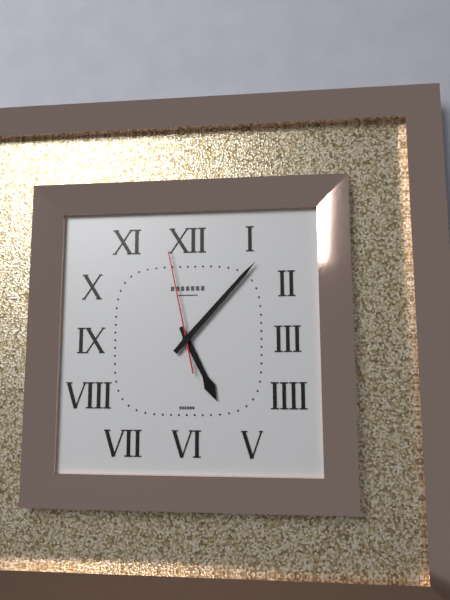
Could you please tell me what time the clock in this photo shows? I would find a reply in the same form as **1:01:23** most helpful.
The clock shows **5:07:58**
